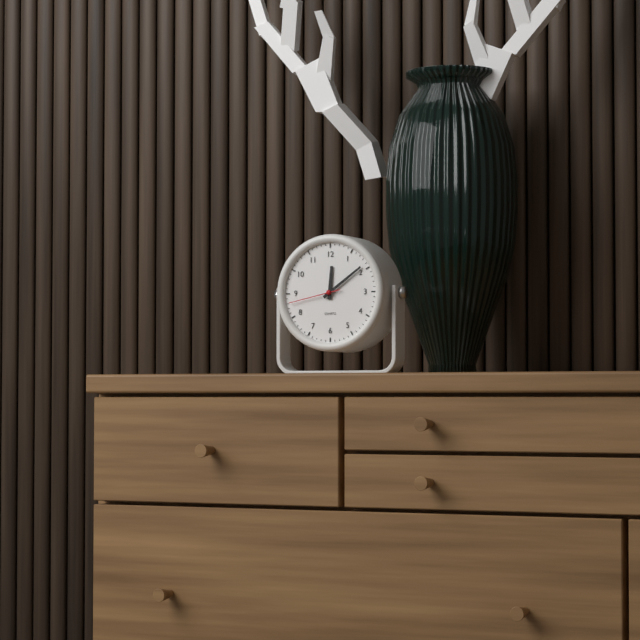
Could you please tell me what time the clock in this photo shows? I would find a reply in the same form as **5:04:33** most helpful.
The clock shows **12:09:43**
